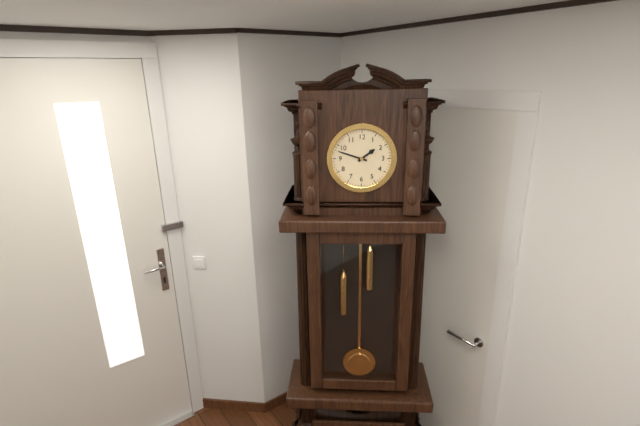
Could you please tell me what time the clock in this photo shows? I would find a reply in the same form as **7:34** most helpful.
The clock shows **1:48**
